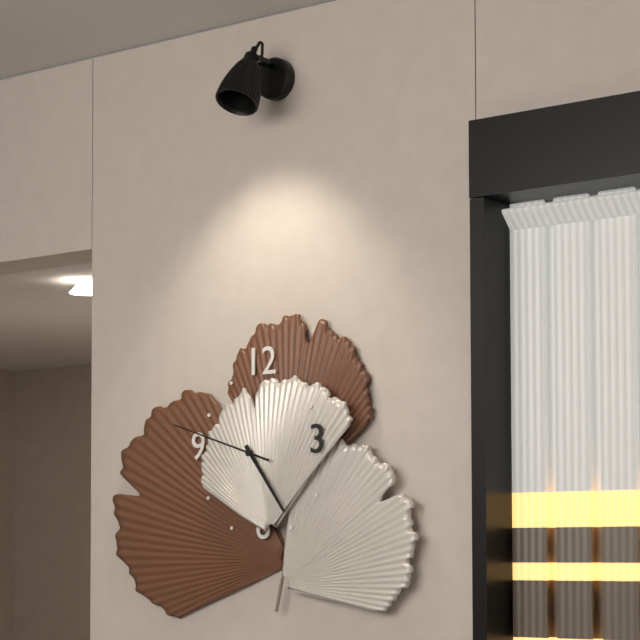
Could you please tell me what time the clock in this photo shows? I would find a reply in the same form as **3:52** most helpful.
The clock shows **4:48**
